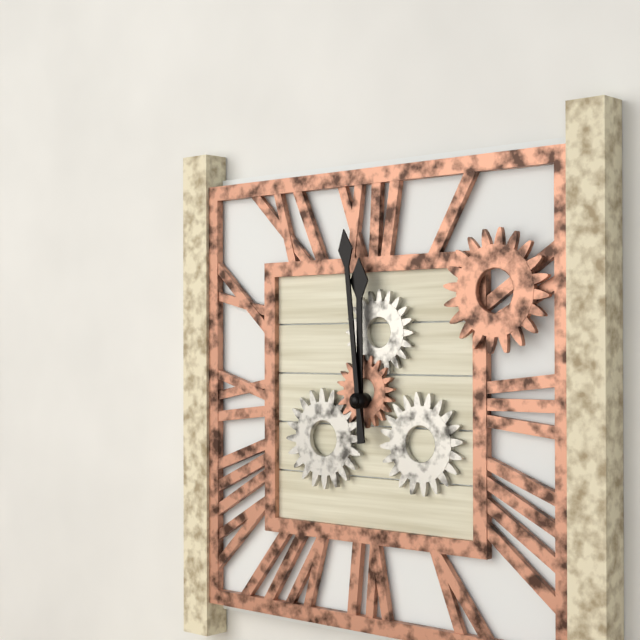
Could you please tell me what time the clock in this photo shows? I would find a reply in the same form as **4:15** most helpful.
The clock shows **11:59**
